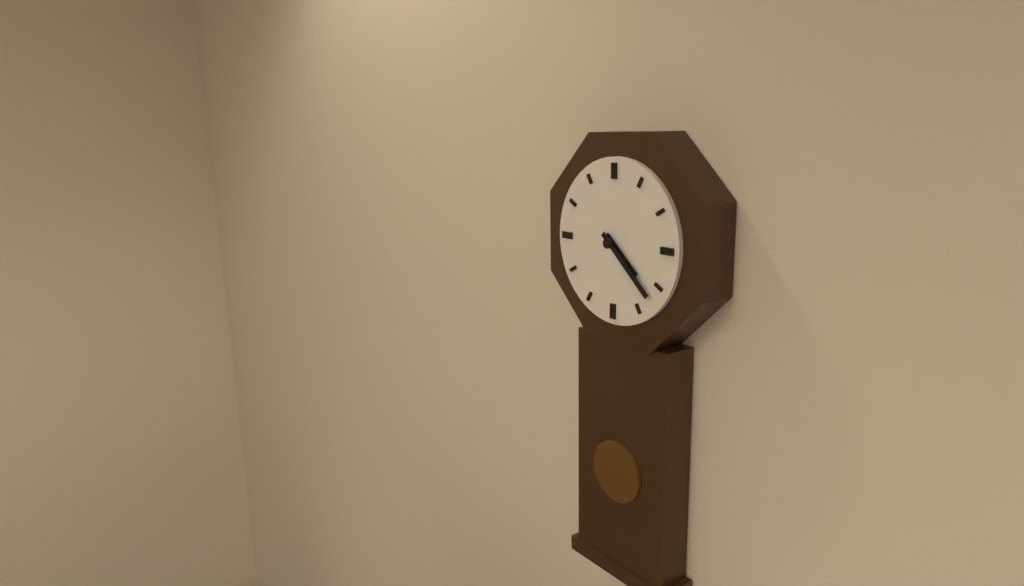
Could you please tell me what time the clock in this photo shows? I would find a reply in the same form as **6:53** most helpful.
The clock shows **4:22**
